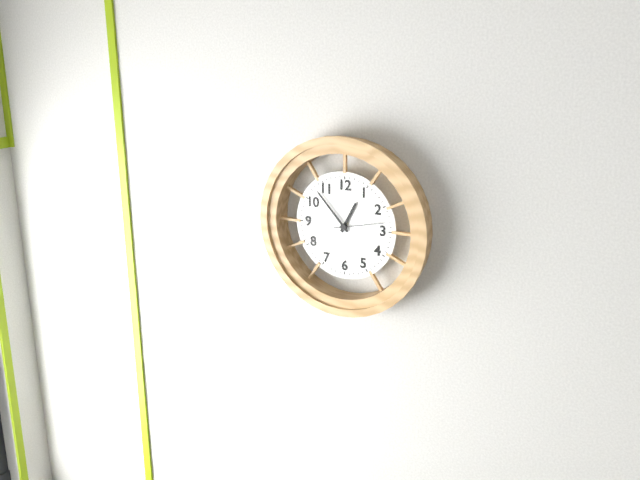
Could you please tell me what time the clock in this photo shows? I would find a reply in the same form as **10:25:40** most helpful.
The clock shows **12:53:13**
